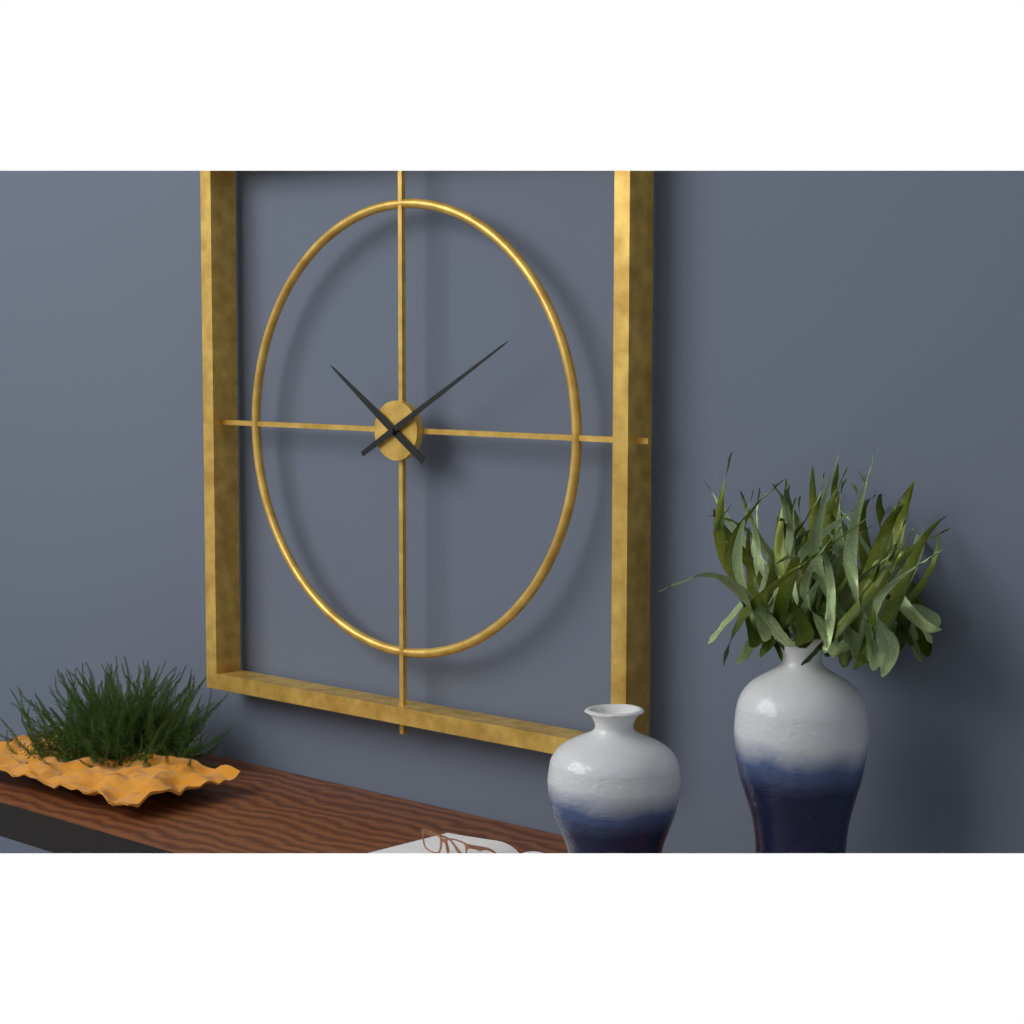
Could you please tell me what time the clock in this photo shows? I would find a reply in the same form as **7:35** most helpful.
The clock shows **10:10**
